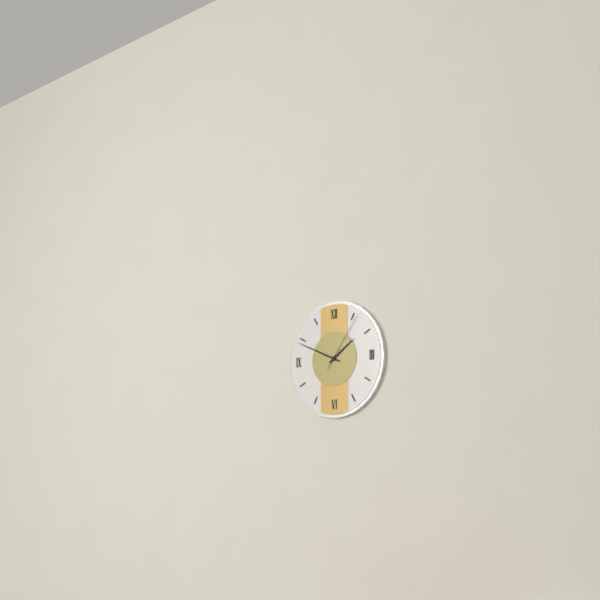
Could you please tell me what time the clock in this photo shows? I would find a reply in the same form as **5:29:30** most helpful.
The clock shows **1:49:06**
